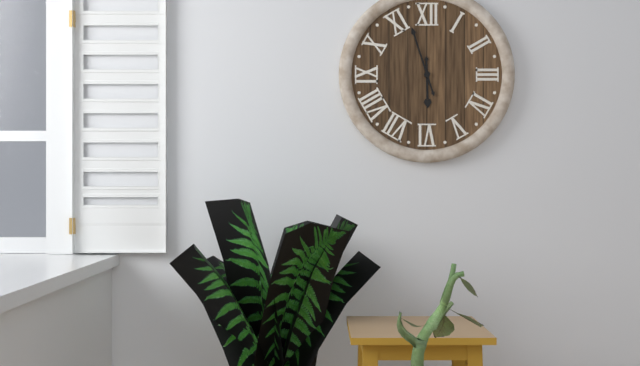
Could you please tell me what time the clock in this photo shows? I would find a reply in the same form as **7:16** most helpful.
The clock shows **5:57**
